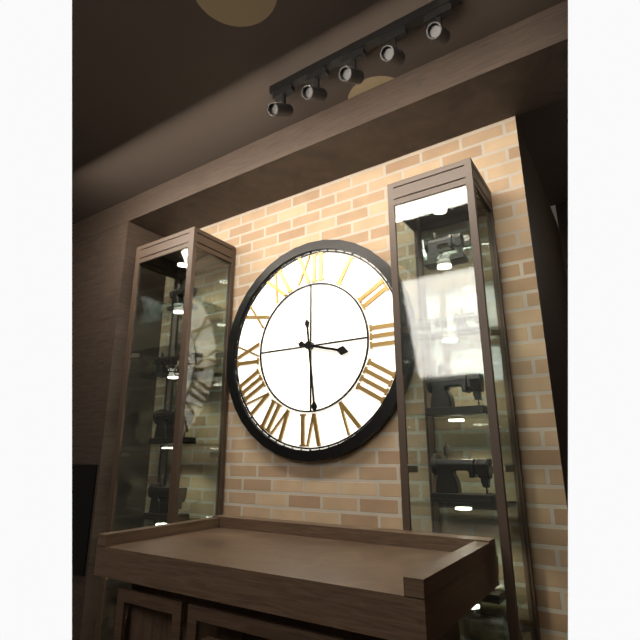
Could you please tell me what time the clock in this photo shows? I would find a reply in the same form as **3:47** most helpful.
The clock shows **3:29**
